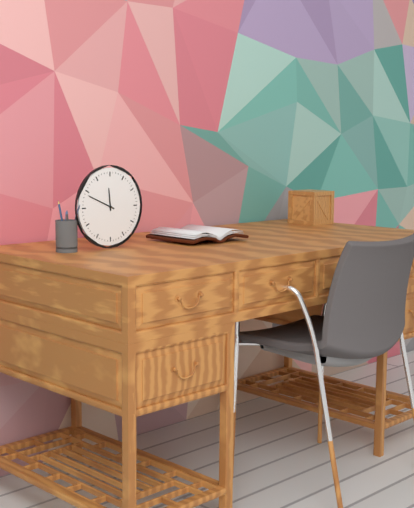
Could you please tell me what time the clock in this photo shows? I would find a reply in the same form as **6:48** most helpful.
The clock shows **11:49**
